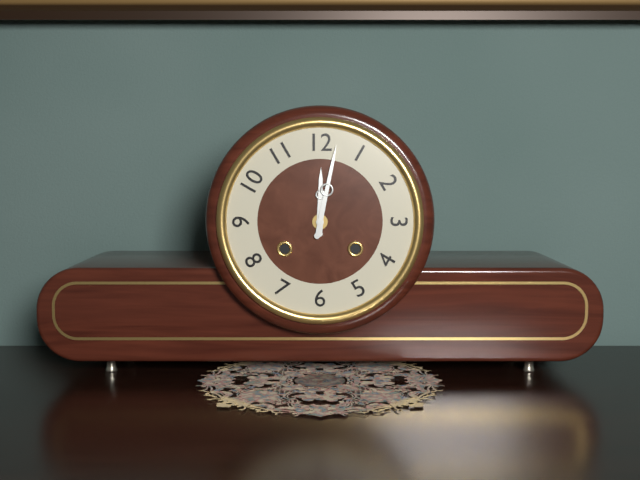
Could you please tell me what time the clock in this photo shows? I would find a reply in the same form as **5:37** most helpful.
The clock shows **12:02**
